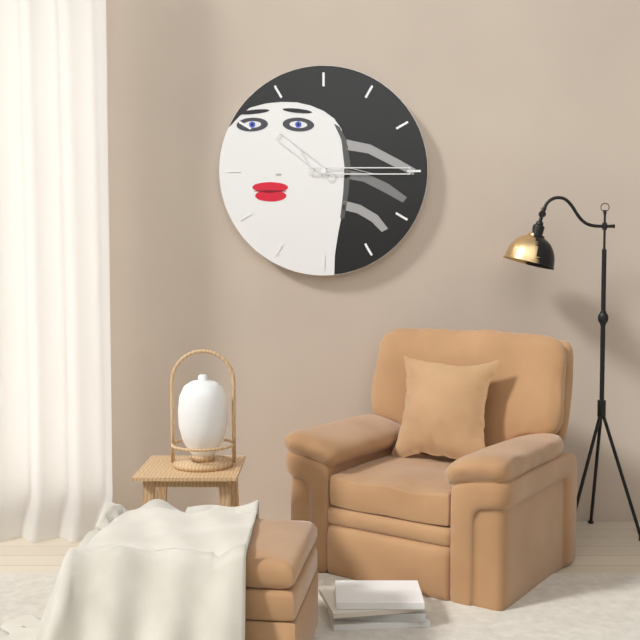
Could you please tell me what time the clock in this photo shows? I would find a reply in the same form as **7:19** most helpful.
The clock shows **10:15**
